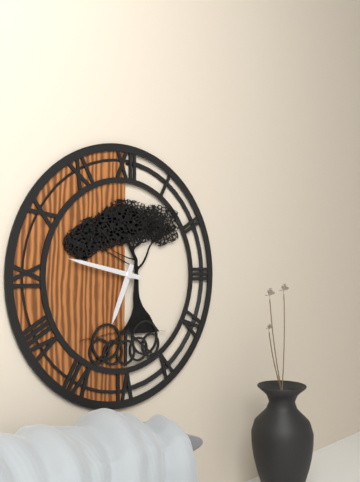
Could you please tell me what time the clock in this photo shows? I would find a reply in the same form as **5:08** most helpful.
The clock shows **6:47**
